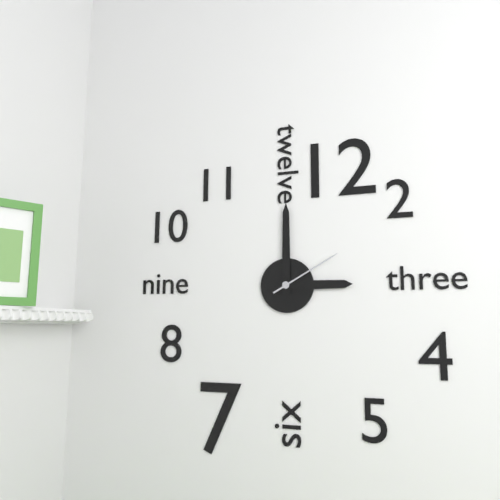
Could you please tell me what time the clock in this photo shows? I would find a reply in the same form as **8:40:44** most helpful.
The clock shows **3:00:10**
